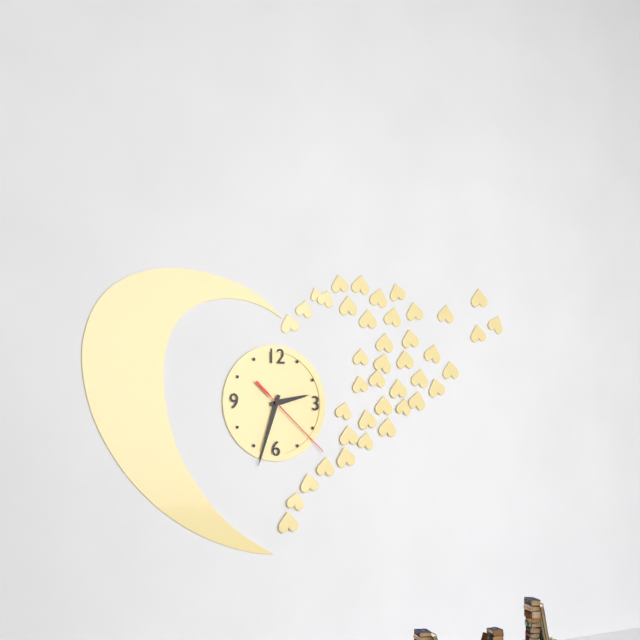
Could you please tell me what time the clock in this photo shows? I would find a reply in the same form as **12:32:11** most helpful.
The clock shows **2:33:22**
